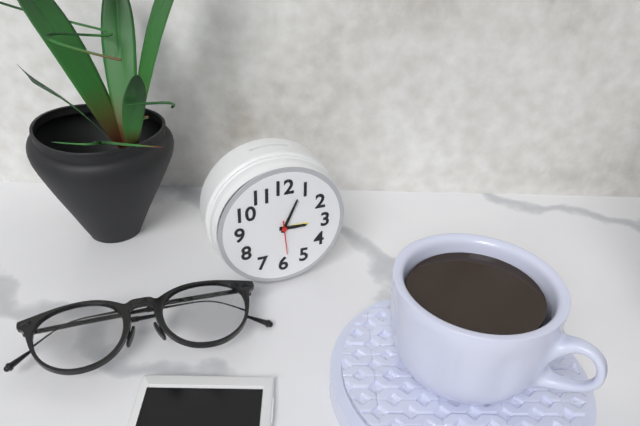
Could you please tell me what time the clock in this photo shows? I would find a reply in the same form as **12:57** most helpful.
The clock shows **3:04**
